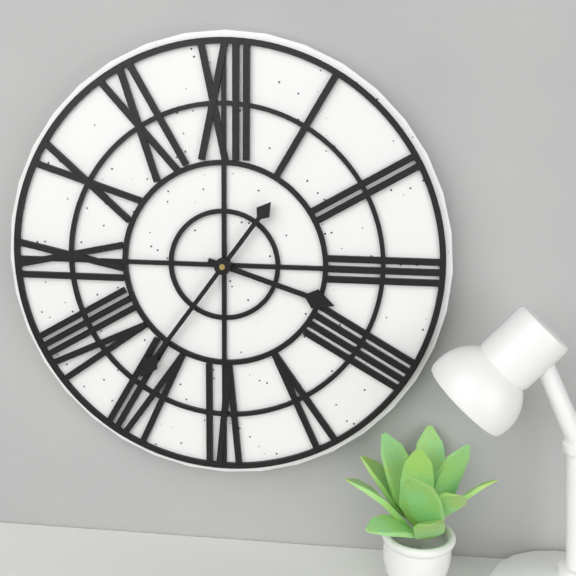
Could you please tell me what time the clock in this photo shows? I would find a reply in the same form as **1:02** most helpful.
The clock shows **3:36**
